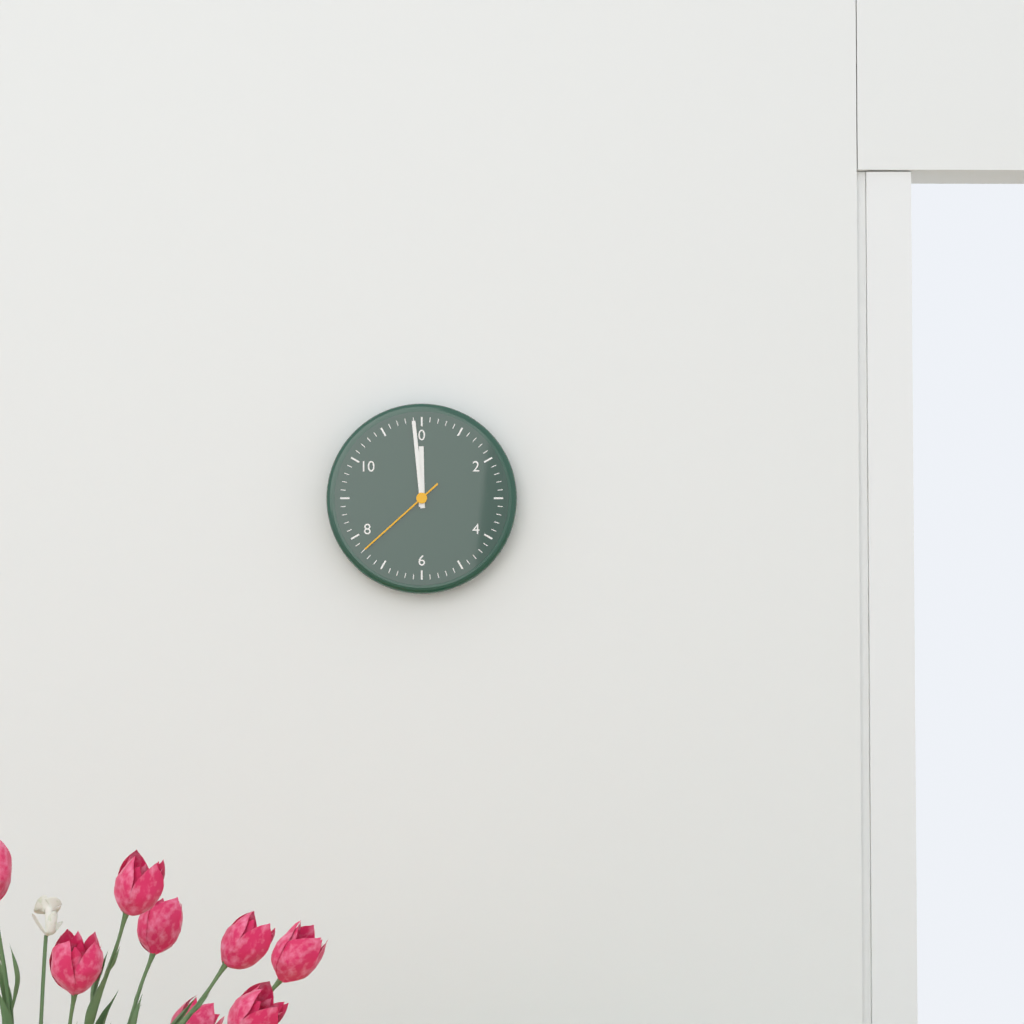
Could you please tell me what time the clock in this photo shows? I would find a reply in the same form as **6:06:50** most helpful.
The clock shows **11:59:38**
